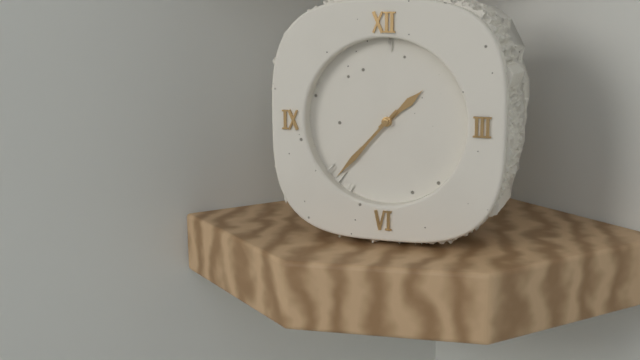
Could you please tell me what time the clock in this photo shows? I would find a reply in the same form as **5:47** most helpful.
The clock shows **1:37**
